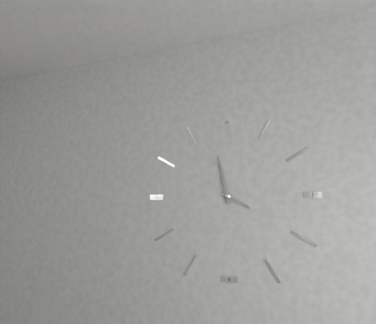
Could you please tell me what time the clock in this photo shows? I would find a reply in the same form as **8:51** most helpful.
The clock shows **3:58**
